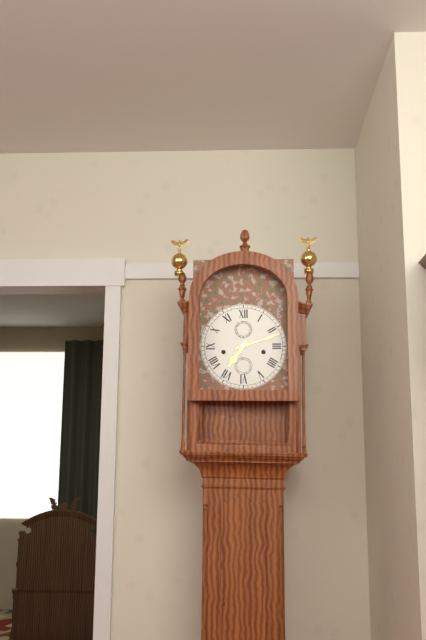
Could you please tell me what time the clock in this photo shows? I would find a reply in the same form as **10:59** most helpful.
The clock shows **7:12**
